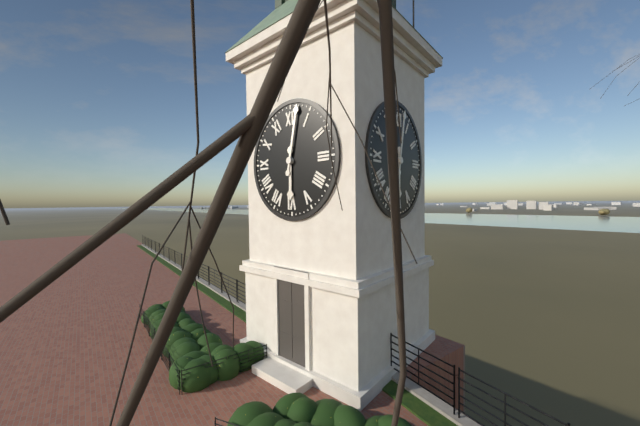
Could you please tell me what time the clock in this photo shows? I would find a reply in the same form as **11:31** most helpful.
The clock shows **6:02**
